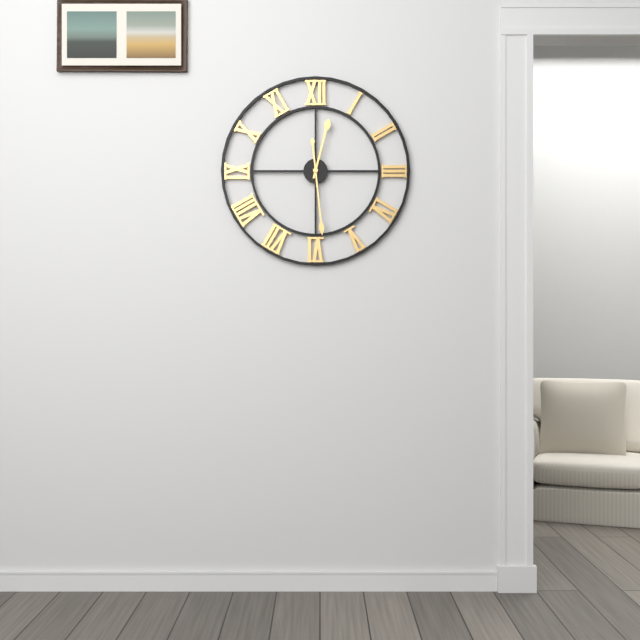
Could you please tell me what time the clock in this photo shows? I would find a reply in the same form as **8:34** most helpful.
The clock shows **12:29**
